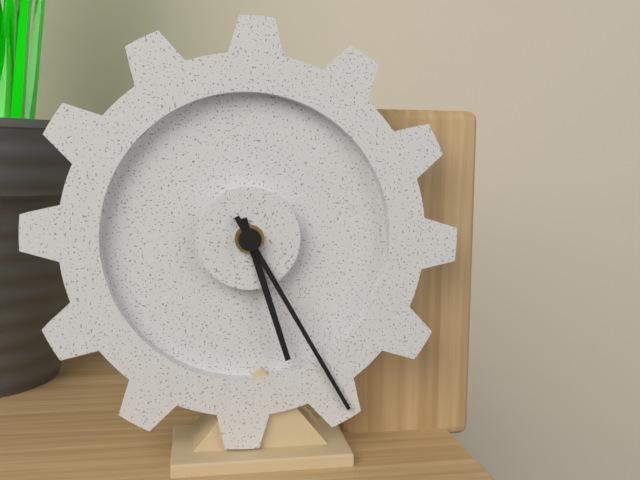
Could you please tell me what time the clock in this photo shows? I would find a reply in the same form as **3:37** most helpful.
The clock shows **5:25**
